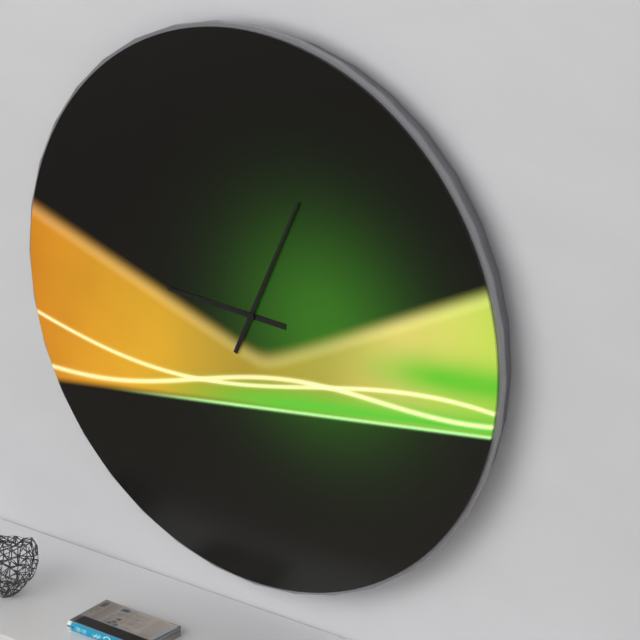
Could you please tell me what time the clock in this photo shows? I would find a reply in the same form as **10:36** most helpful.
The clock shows **9:04**
